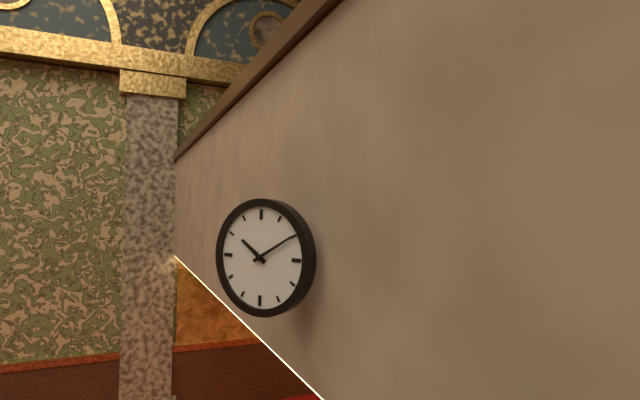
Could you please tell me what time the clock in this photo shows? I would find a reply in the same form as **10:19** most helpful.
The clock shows **10:10**
